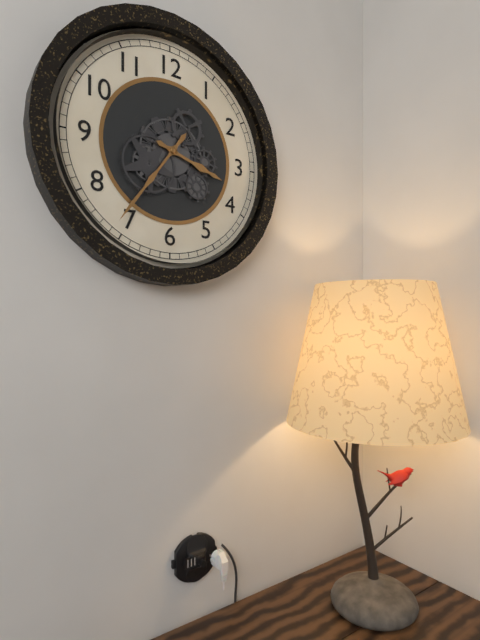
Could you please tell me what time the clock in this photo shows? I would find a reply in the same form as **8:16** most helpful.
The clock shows **3:36**
